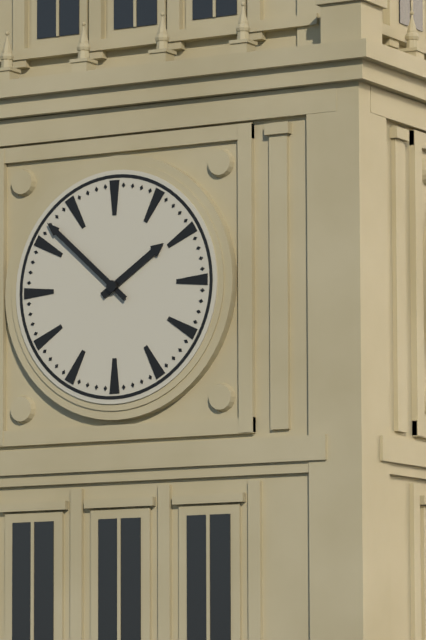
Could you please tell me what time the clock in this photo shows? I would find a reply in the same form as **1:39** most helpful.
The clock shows **1:52**
